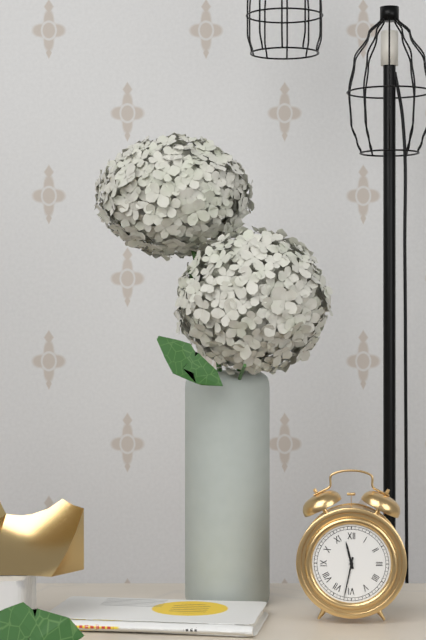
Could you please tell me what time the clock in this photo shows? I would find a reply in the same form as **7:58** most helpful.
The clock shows **11:32**
